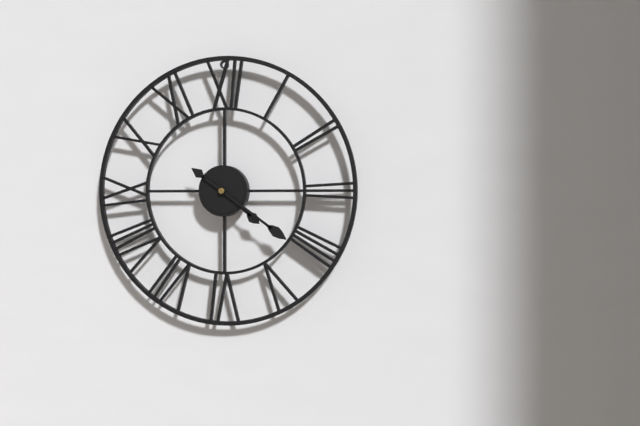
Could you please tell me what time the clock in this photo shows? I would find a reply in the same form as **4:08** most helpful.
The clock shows **4:21**
